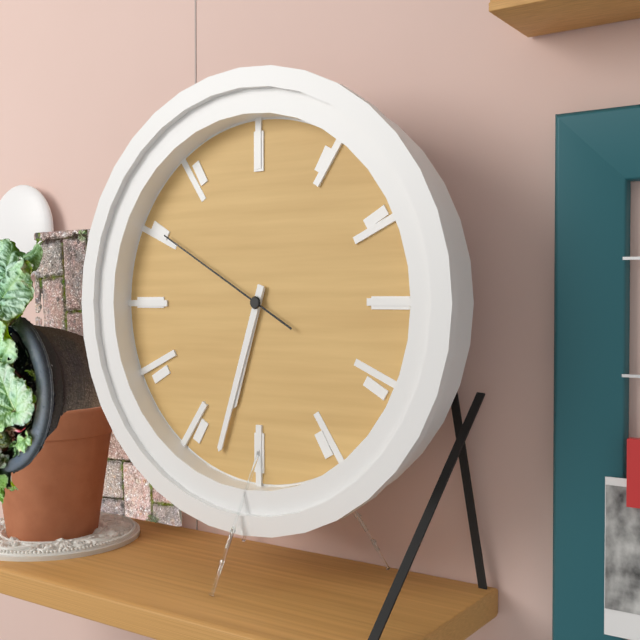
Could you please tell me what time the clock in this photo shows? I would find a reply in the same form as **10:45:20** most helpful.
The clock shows **6:33:50**
